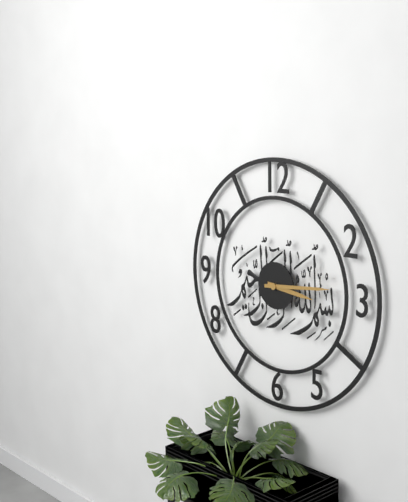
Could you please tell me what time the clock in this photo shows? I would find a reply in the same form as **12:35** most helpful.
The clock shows **3:14**
